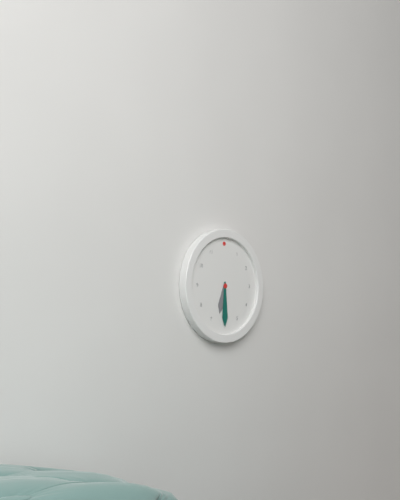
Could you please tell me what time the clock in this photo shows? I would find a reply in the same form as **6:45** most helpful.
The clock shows **6:30**
